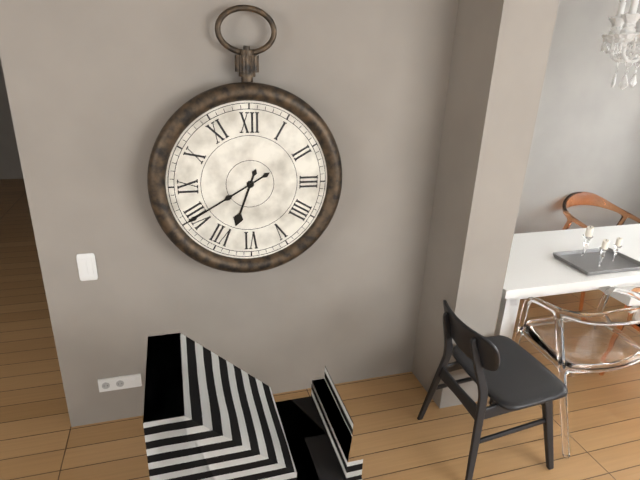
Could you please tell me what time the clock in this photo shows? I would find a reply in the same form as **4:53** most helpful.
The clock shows **6:40**
